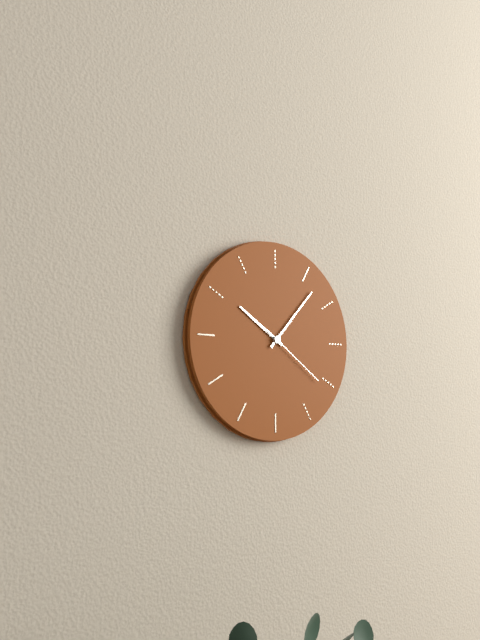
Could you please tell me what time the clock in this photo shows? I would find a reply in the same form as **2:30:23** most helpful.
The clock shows **10:07:21**
